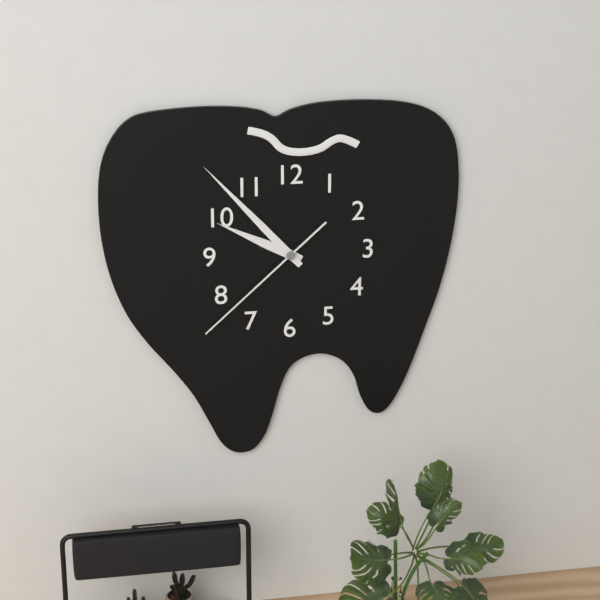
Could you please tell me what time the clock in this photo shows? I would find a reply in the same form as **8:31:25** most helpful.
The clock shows **9:53:38**
